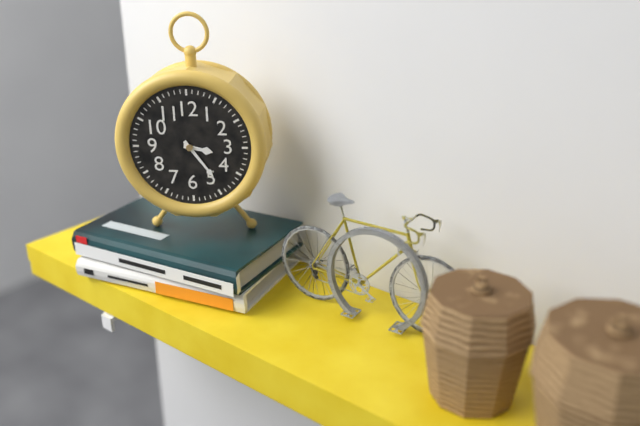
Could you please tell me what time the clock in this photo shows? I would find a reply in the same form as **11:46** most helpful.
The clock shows **3:24**
